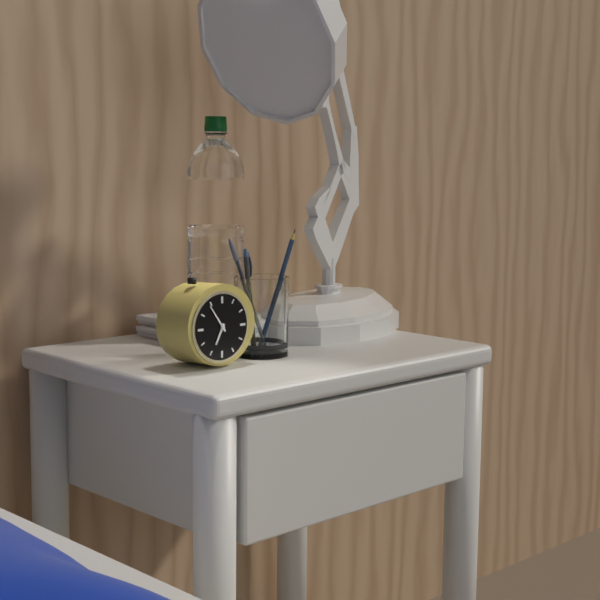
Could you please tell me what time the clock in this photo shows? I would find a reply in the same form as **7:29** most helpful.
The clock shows **6:54**
